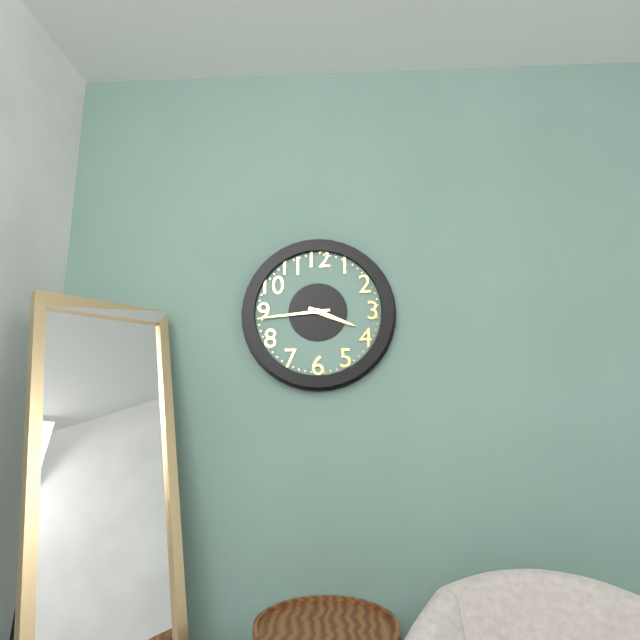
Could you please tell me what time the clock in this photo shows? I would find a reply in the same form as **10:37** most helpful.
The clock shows **3:44**
